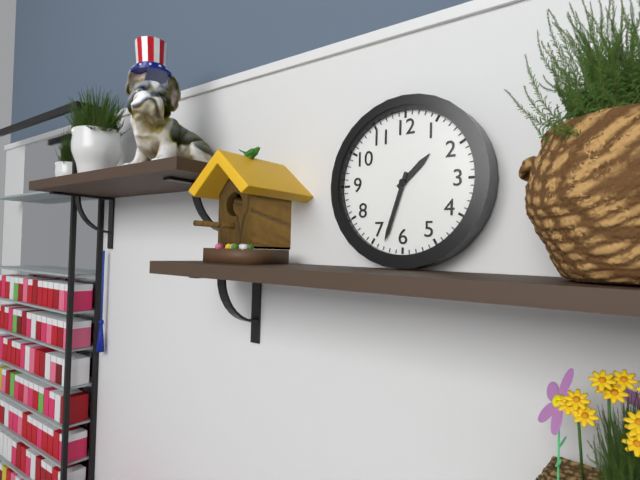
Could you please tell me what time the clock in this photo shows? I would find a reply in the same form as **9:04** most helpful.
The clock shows **1:33**
